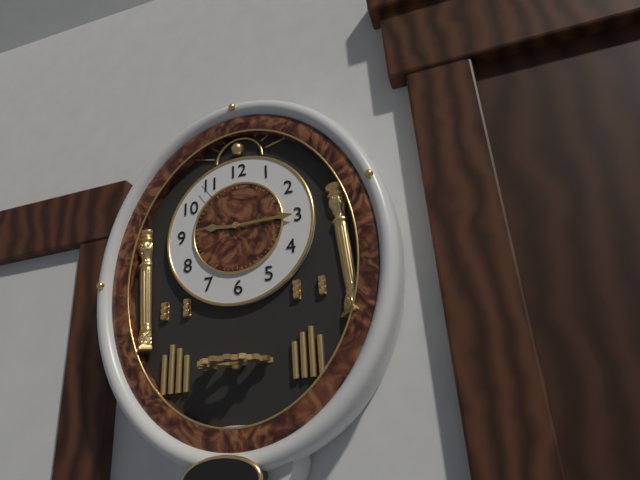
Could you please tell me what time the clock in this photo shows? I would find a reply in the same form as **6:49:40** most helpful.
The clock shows **9:15:54**
